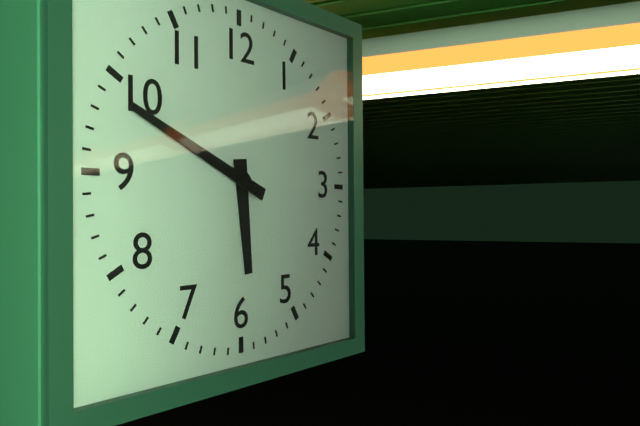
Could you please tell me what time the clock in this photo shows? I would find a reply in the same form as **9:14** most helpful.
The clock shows **5:49**
